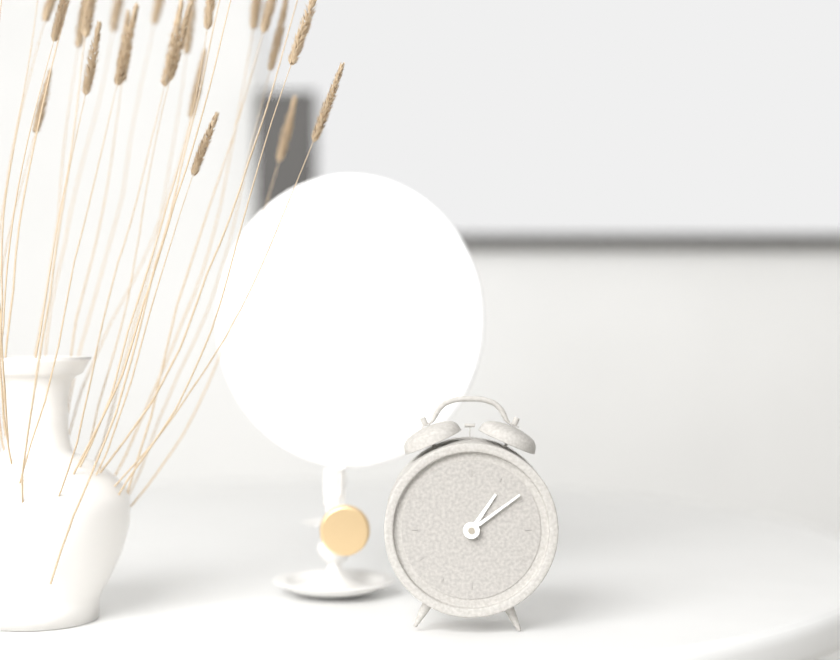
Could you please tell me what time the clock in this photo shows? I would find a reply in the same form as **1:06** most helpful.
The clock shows **1:09**
